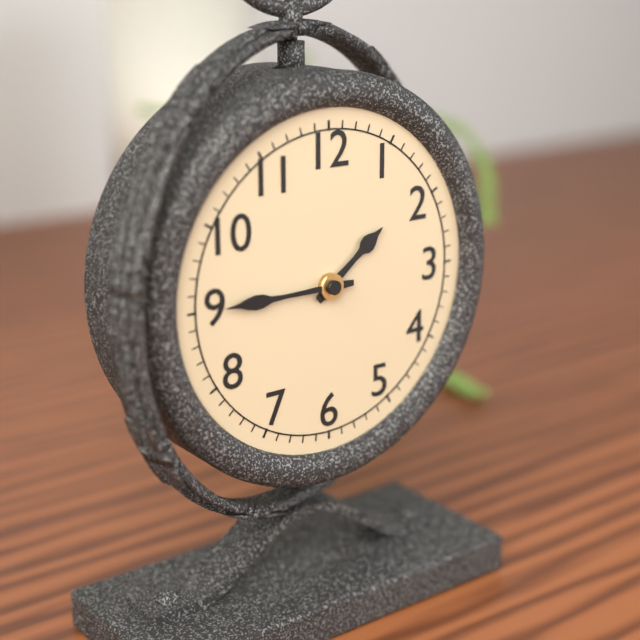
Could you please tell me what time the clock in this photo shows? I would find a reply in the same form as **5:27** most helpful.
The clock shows **1:45**
